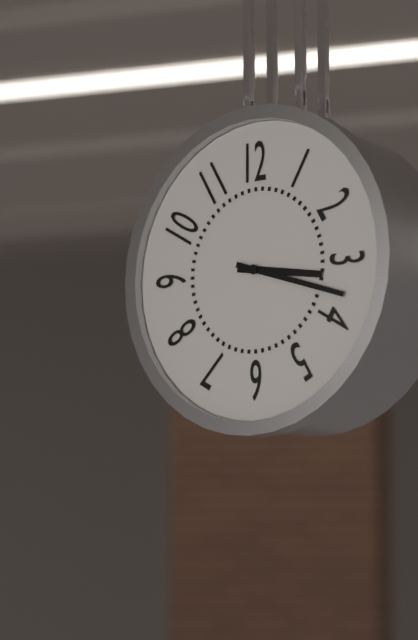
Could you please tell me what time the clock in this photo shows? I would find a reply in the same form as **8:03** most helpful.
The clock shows **3:18**
